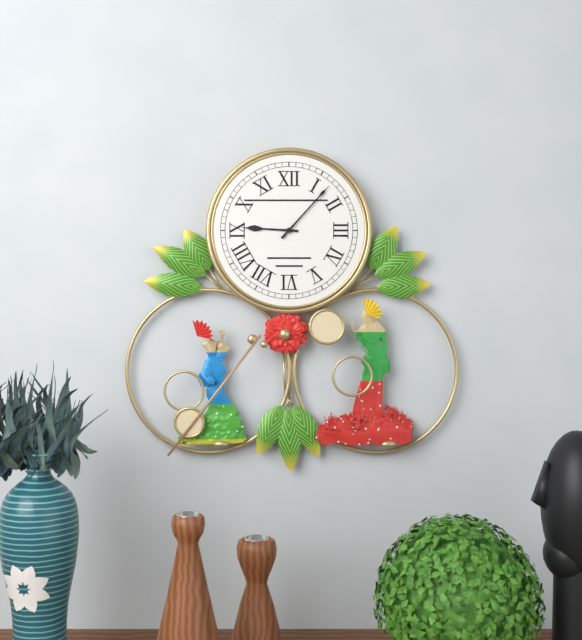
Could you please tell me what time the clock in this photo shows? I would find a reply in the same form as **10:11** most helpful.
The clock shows **9:07**
